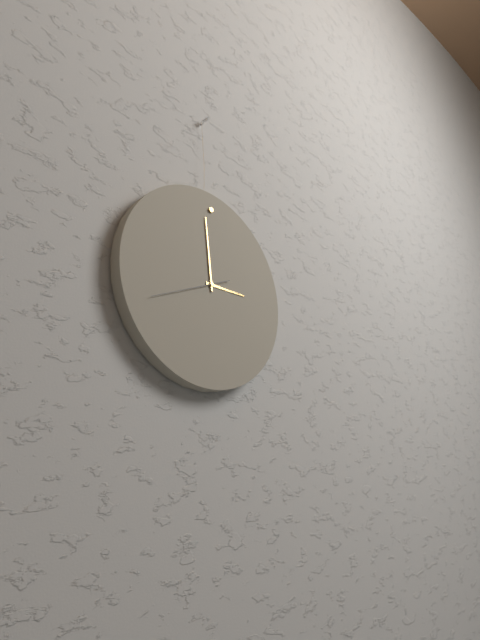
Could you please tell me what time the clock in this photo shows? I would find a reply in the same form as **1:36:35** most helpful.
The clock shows **2:59:41**
